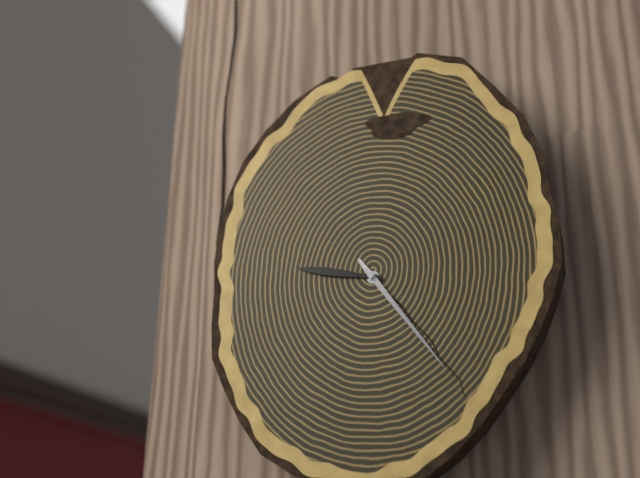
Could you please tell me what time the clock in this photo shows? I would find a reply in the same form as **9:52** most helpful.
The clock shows **9:24**
